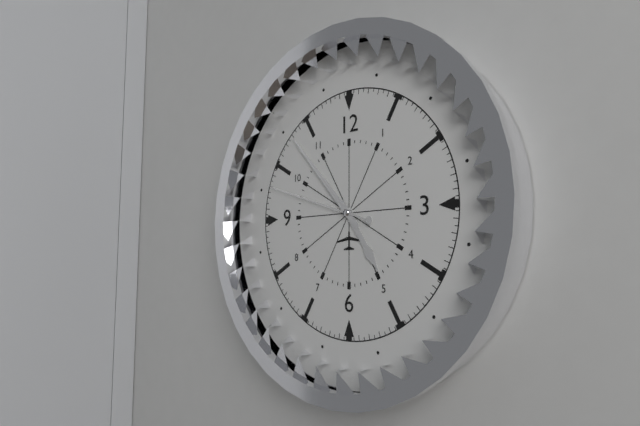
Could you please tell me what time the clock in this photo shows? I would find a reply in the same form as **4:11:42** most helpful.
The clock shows **4:53:48**
